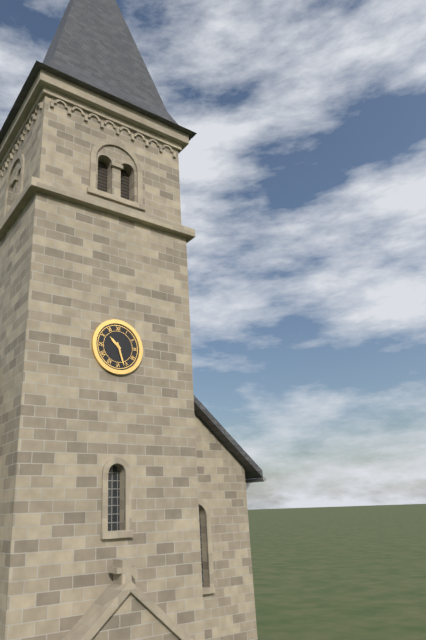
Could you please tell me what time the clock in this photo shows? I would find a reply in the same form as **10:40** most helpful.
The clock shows **10:27**
